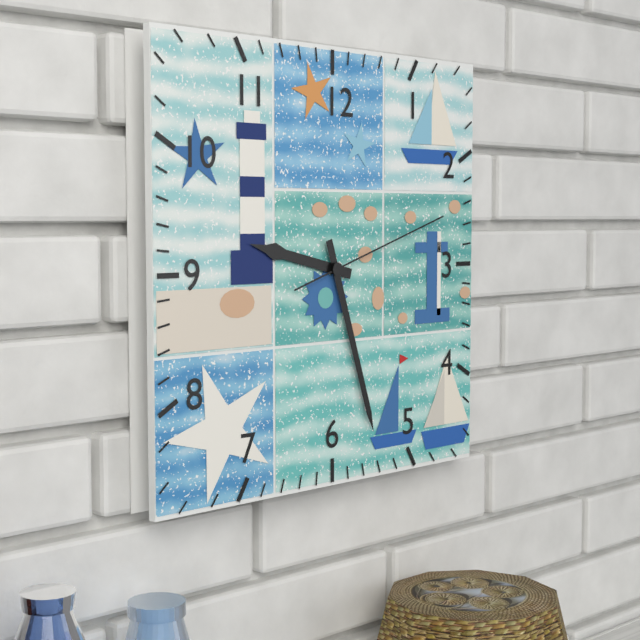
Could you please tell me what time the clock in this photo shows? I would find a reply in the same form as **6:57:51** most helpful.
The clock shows **9:27:12**
